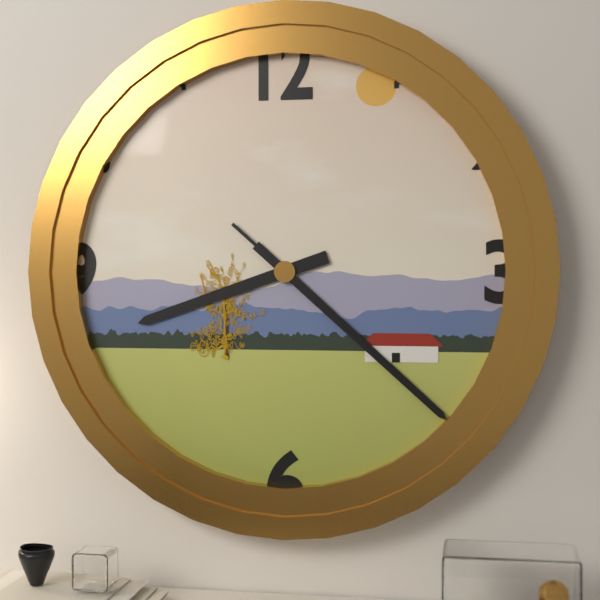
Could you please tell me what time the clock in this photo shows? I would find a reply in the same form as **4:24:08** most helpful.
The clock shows **8:22:22**
